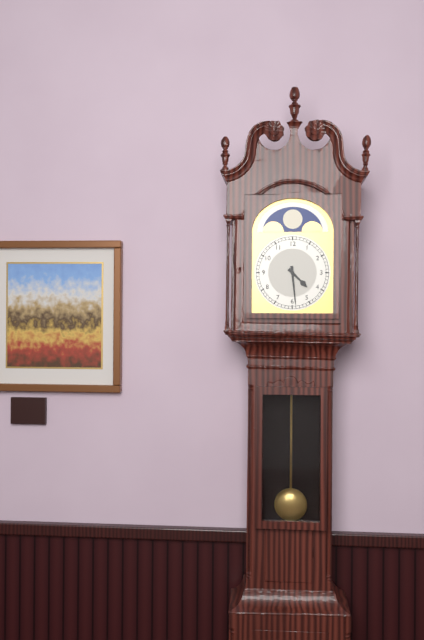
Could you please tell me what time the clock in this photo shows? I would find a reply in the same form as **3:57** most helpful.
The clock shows **4:29**
